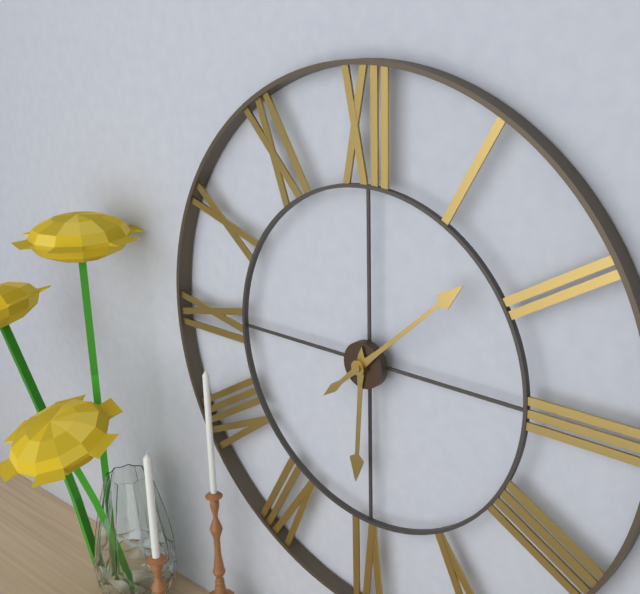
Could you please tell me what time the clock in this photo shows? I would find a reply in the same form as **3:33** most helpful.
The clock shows **6:08**
